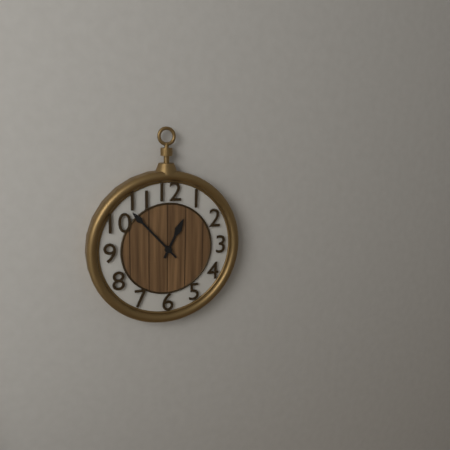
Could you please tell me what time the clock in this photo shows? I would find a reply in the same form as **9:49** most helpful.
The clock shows **12:53**
